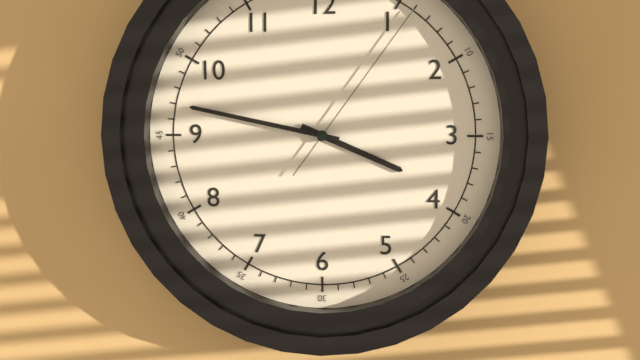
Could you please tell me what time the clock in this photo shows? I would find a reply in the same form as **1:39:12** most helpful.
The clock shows **3:47:06**
